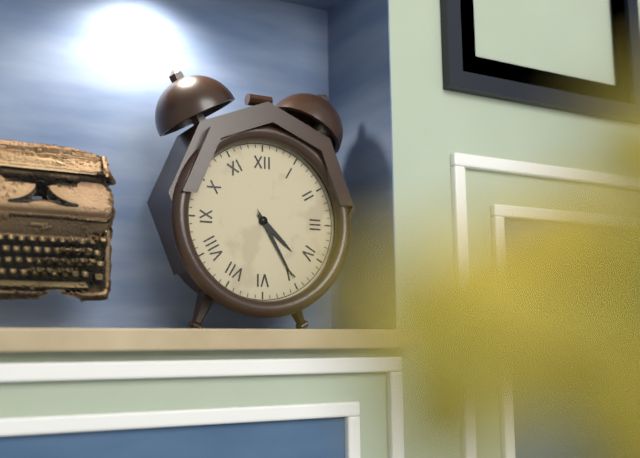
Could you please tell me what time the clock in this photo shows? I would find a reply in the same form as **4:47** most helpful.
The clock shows **4:25**
